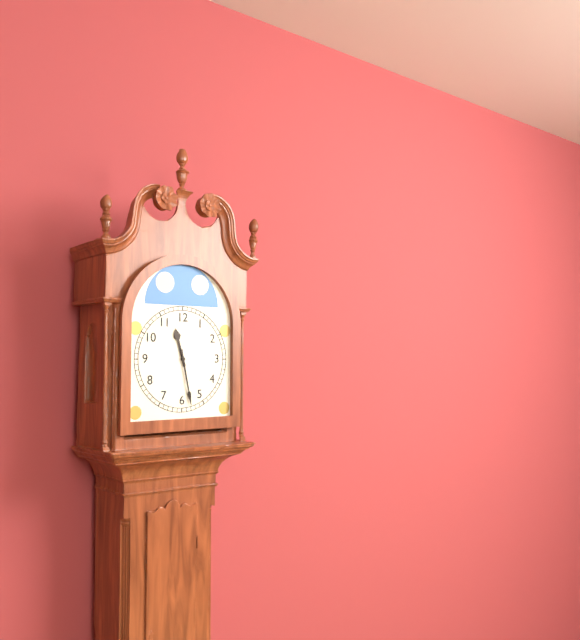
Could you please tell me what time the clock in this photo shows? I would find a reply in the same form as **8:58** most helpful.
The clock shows **11:28**
